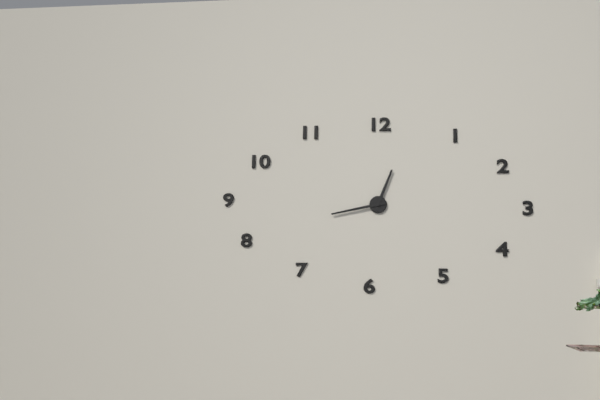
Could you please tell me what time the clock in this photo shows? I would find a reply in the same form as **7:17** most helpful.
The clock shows **12:43**
